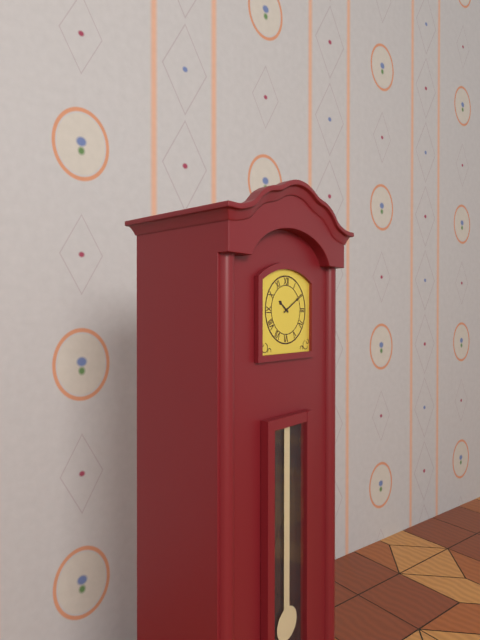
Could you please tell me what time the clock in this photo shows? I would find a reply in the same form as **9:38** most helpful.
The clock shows **10:10**
